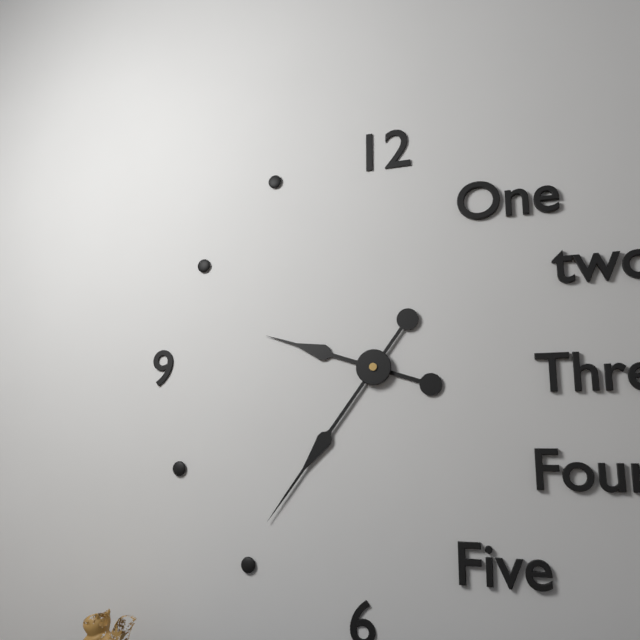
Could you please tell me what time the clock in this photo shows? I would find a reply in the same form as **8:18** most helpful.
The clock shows **9:36**
